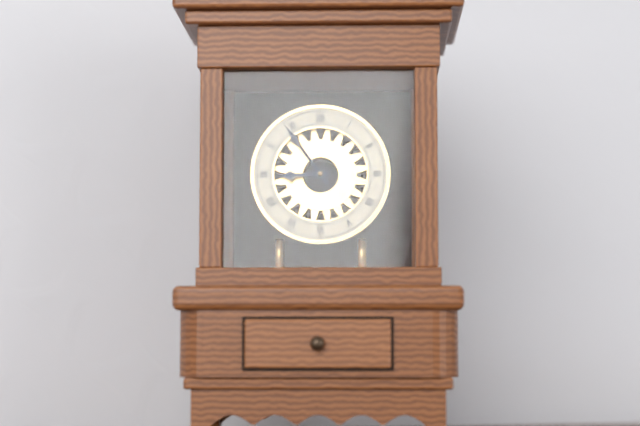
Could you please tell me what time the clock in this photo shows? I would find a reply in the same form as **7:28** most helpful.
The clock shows **8:54**
